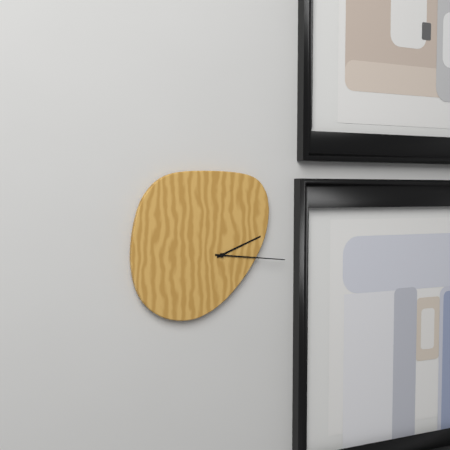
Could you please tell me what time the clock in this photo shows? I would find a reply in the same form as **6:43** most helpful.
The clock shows **2:16**
